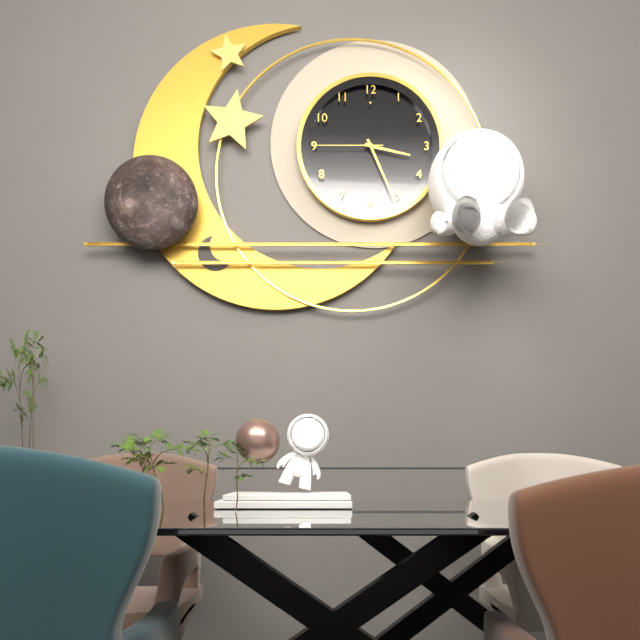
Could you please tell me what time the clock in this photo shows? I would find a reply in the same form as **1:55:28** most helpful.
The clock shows **3:26:45**
